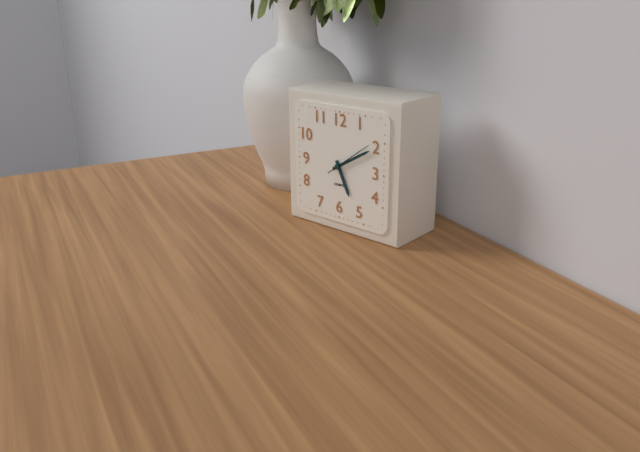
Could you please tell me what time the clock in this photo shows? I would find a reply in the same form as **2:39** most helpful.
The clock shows **5:10**
